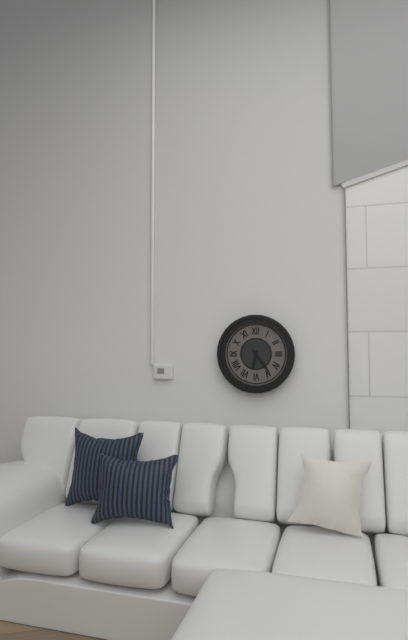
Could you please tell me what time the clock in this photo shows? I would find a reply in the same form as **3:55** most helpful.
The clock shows **6:24**
